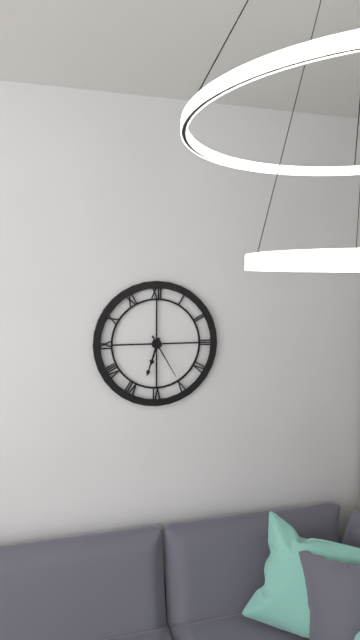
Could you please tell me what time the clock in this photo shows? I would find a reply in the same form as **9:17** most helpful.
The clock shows **6:33**
